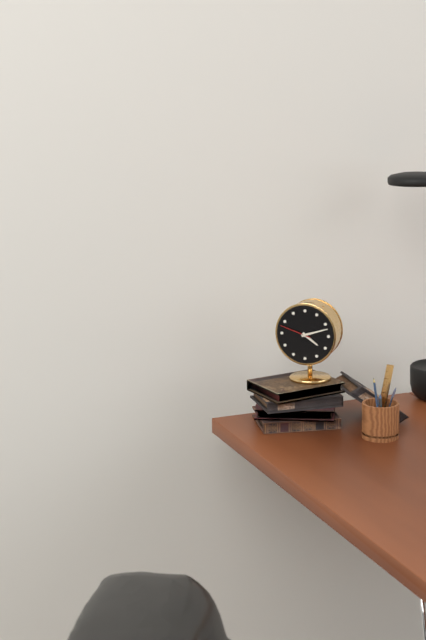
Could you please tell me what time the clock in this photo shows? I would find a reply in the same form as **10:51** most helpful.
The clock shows **4:12**
